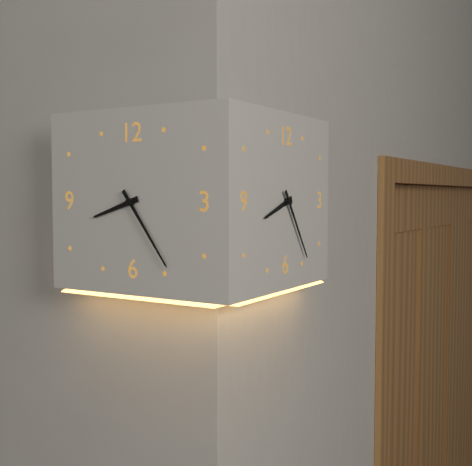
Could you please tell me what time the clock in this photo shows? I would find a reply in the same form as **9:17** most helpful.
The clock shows **8:24**
